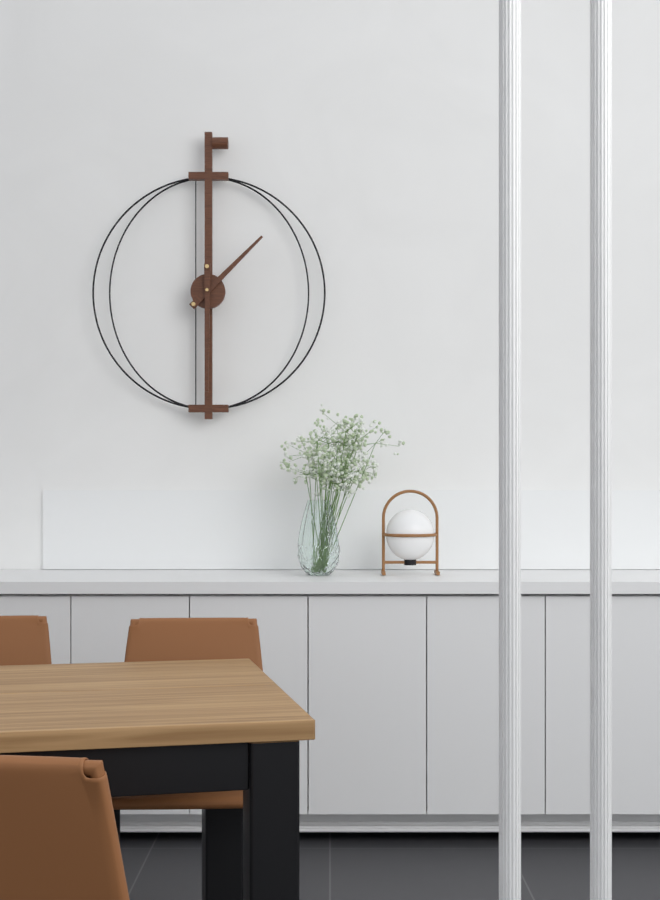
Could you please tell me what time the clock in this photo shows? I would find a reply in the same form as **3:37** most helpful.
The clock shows **1:30**
